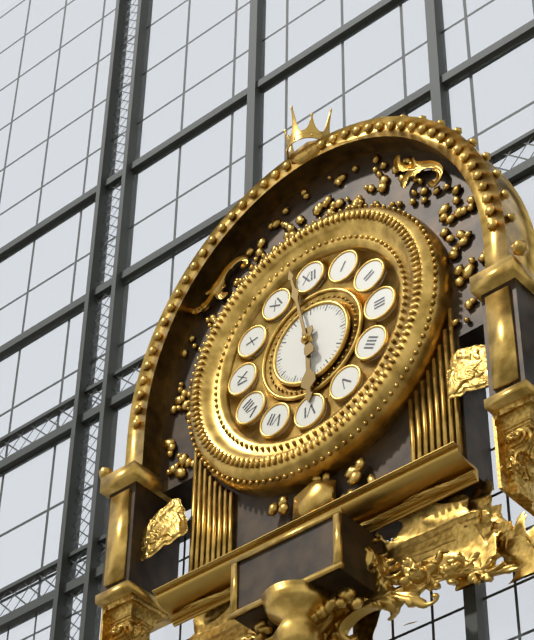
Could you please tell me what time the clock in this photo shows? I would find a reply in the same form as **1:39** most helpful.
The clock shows **5:58**
